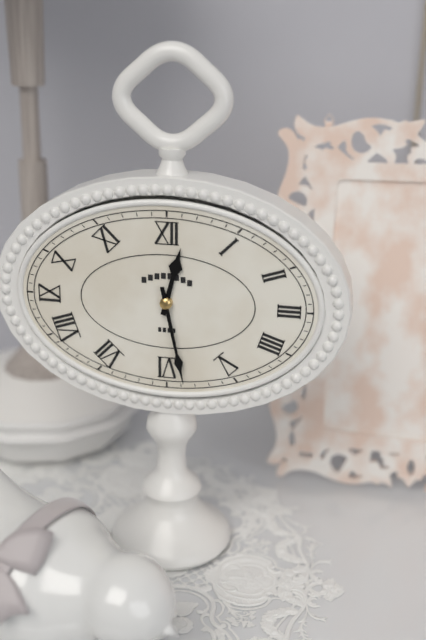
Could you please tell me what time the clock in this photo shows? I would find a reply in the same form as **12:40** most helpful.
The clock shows **12:28**
